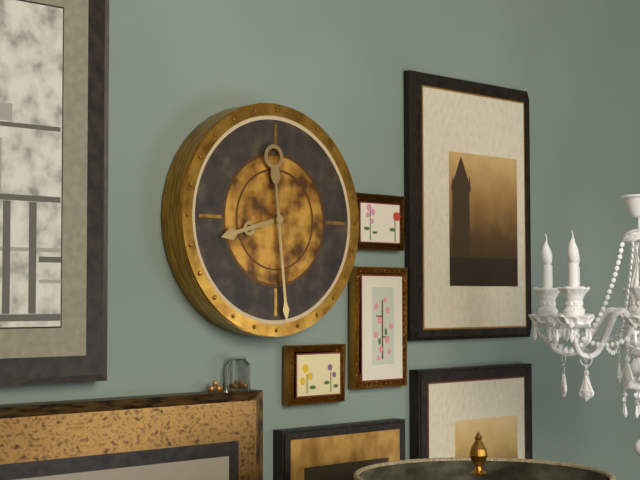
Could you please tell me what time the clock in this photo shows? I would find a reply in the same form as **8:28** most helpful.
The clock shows **8:29**
